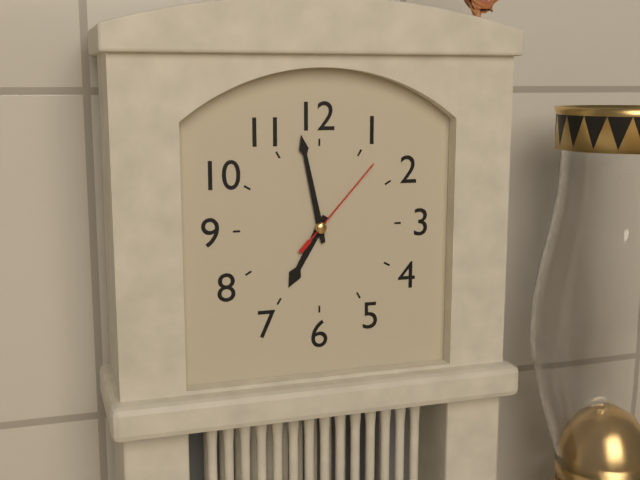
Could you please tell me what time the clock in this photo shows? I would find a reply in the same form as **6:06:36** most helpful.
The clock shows **6:58:07**
